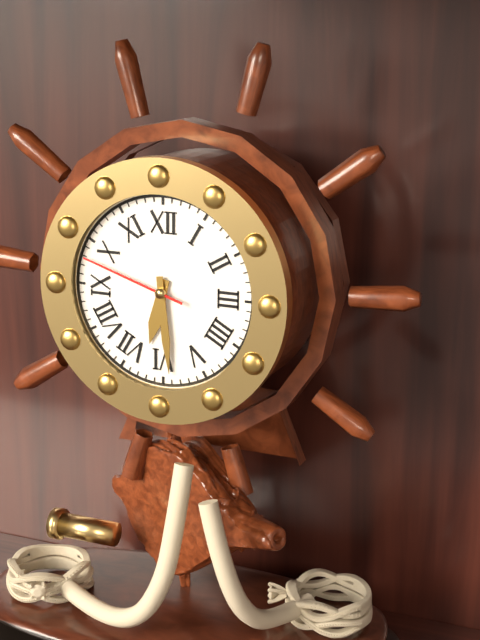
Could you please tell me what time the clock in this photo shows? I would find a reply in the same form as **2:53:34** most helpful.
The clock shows **6:29:48**
